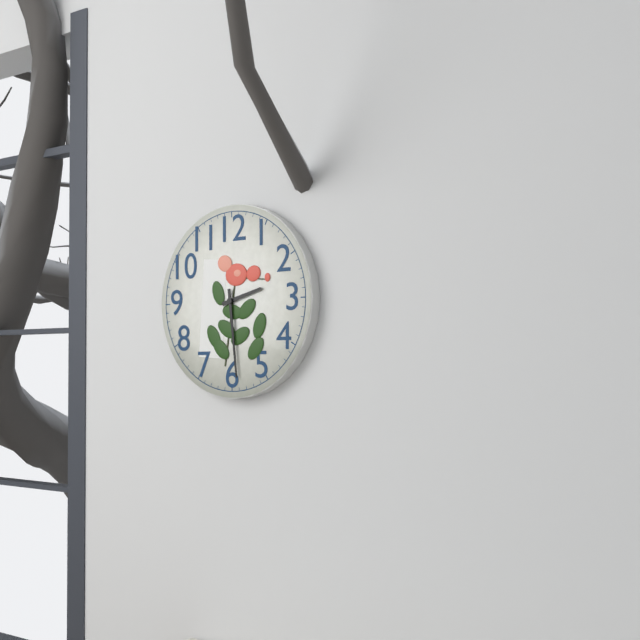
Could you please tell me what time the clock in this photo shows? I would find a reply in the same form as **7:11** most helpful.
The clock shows **2:29**
